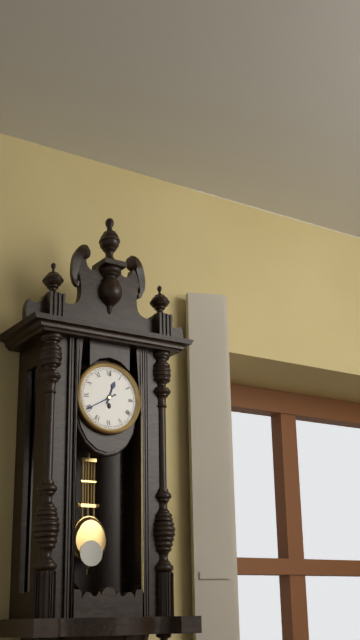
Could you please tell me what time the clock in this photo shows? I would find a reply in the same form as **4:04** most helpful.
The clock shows **12:40**
